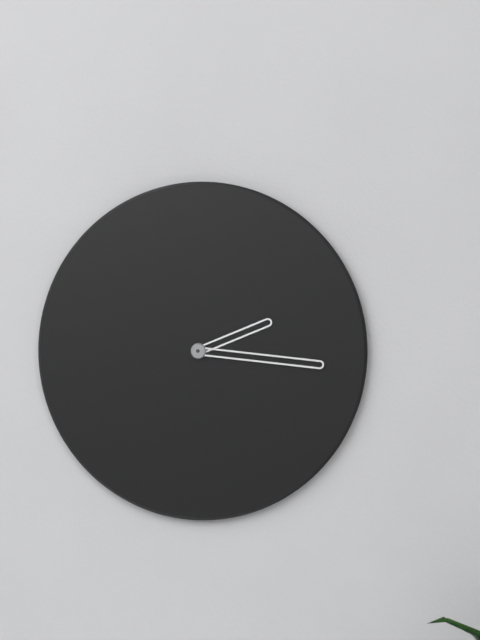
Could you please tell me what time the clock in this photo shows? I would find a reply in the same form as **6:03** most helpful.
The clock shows **2:16**
